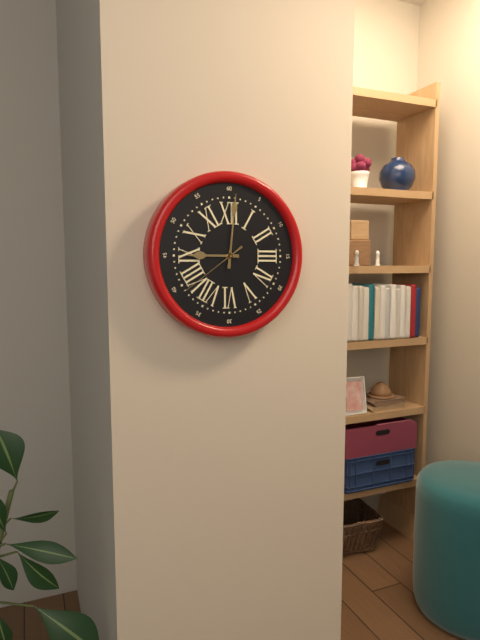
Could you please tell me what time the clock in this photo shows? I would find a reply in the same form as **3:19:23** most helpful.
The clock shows **9:01:39**
